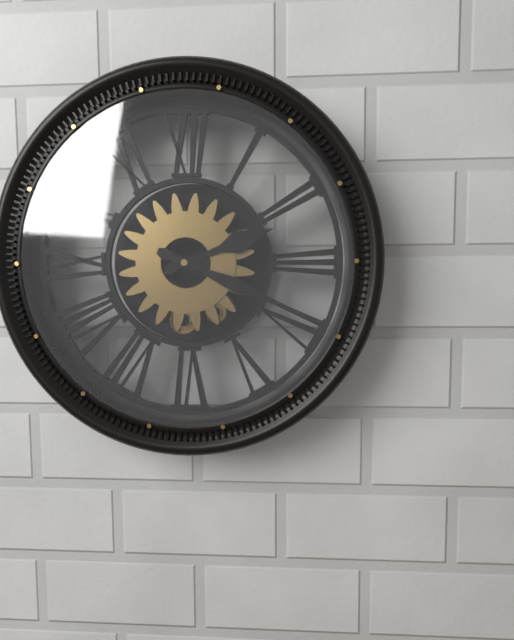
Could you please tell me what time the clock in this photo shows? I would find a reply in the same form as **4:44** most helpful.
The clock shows **2:19**
